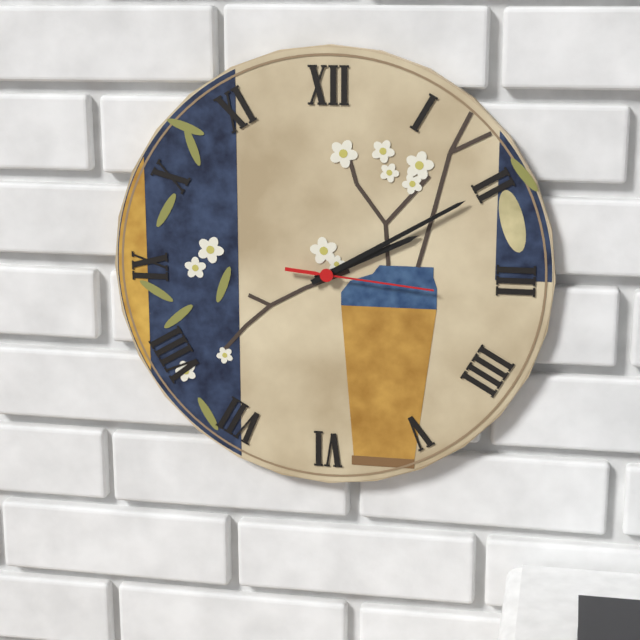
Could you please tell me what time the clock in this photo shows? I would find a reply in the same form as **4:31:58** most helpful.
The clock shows **2:10:16**
